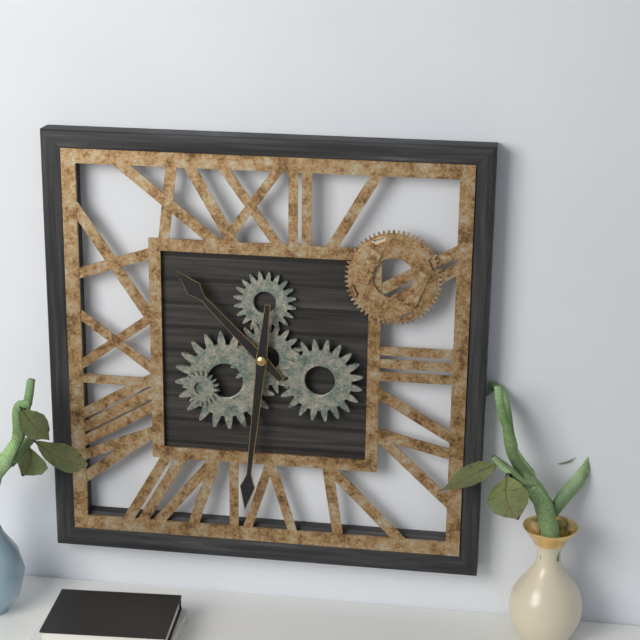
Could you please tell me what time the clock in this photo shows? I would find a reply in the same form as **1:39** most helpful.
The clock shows **10:31**
